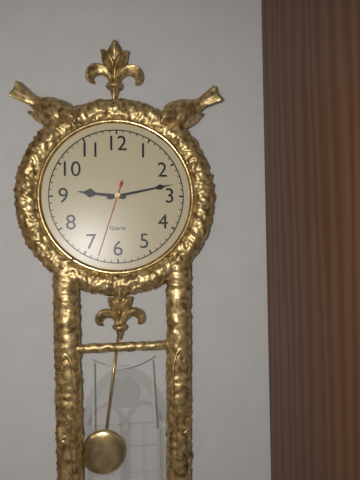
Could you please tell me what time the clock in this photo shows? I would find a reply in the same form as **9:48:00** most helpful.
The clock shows **9:13:33**
